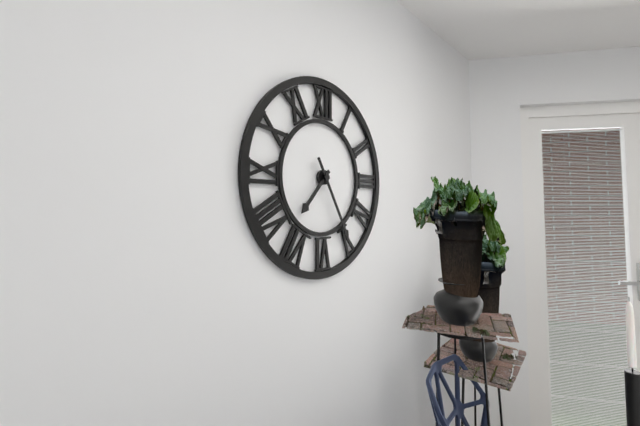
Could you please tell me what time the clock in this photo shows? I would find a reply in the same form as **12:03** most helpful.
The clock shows **7:25**
